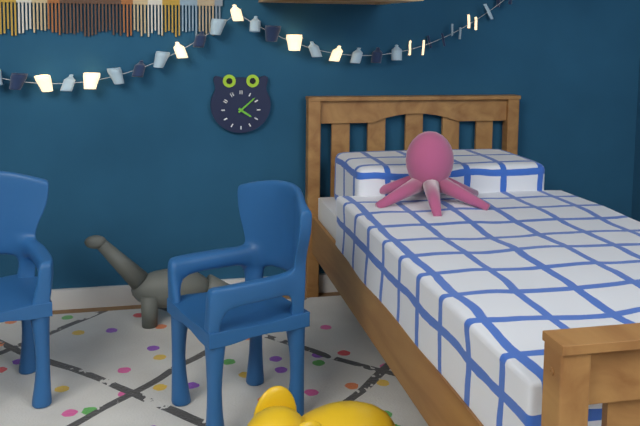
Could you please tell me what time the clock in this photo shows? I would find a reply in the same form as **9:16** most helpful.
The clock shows **4:08**
